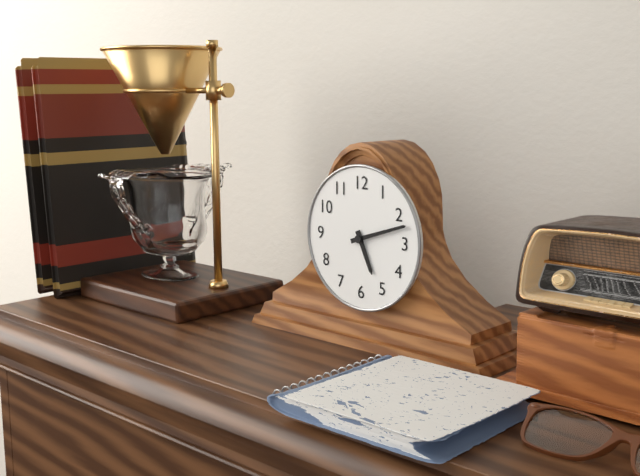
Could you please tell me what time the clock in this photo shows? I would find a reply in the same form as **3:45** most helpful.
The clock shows **5:12**
